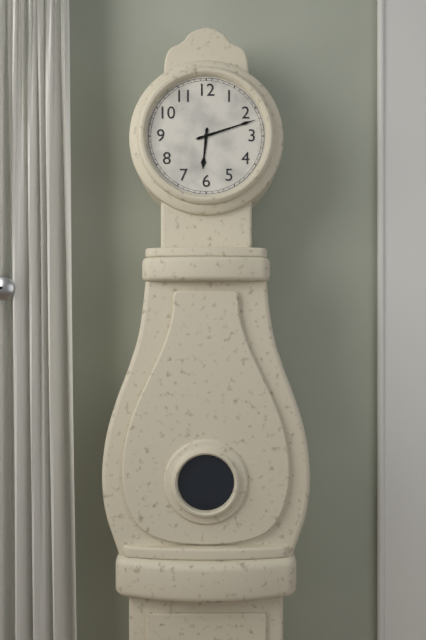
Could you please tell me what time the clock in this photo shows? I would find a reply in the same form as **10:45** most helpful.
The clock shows **6:12**
